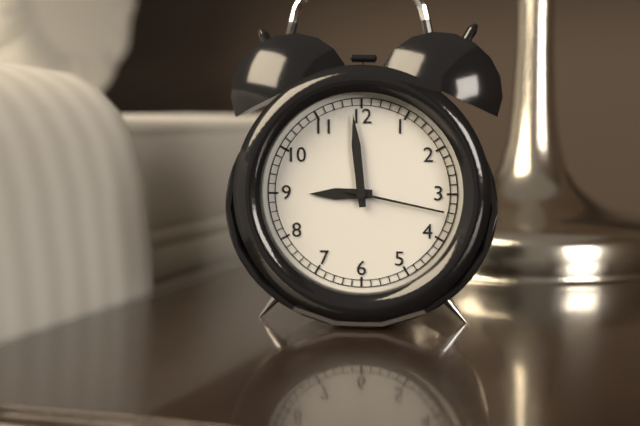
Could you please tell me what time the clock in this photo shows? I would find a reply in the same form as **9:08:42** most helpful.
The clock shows **8:59:17**
